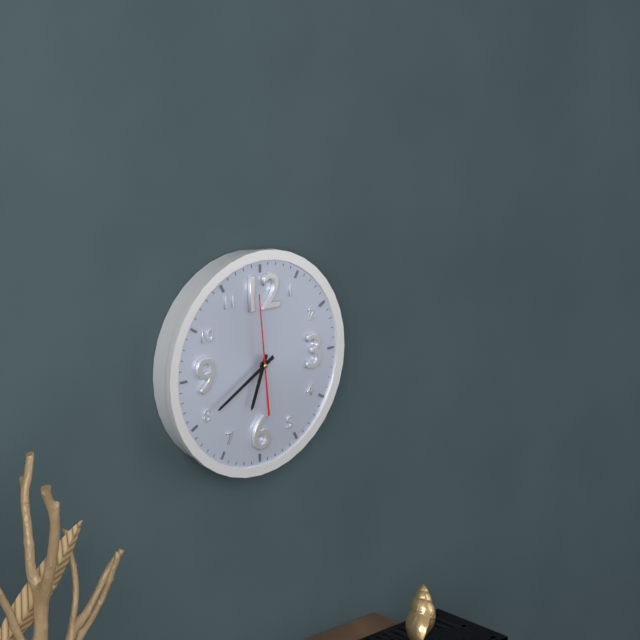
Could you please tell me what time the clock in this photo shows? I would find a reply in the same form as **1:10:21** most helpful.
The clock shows **6:40:59**
